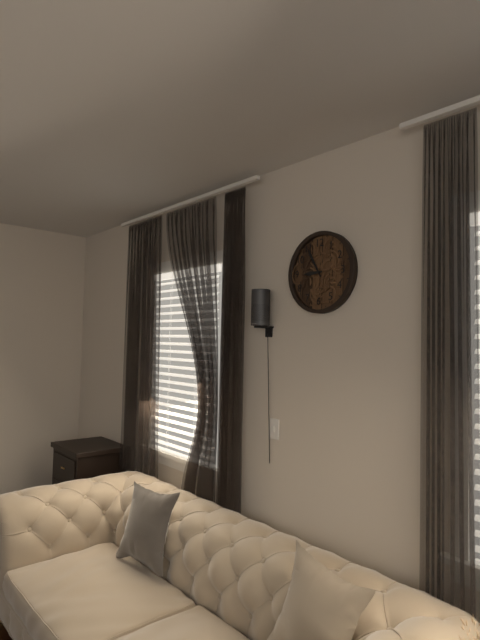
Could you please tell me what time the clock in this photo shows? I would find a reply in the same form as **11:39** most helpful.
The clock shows **8:55**
